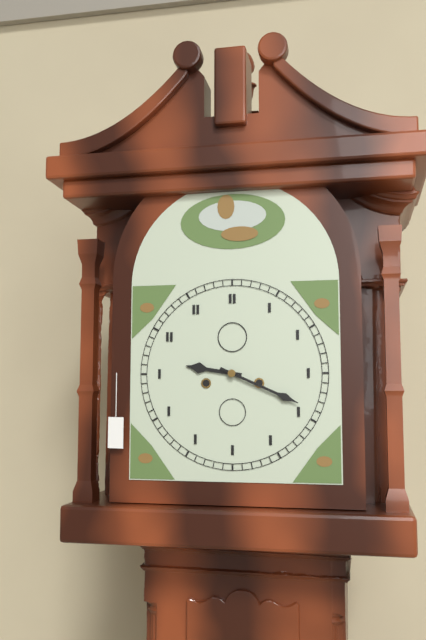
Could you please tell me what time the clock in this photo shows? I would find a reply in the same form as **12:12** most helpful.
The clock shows **9:19**
